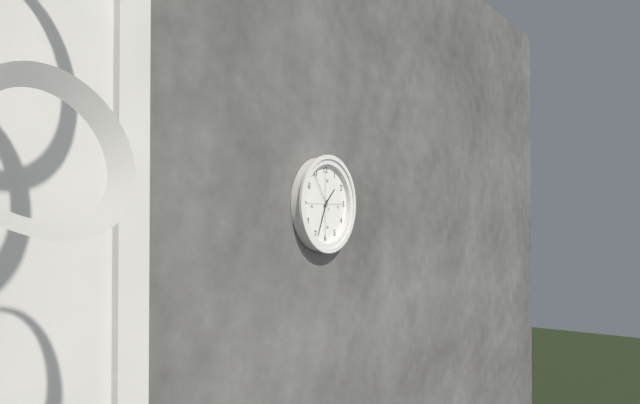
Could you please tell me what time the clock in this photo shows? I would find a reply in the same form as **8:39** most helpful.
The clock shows **1:34**
